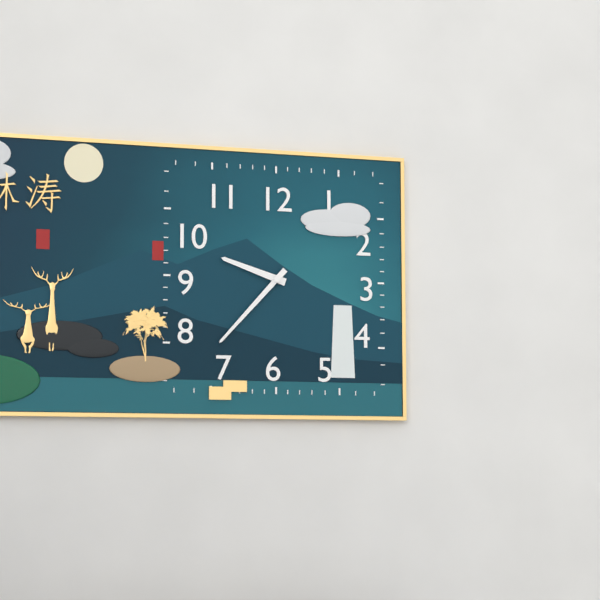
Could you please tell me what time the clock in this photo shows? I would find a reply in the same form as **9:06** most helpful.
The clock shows **9:37**
